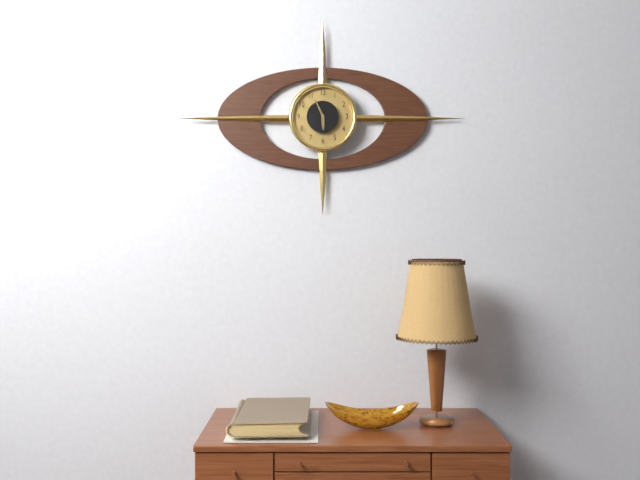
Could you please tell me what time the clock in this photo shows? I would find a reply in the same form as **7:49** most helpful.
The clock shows **5:56**
